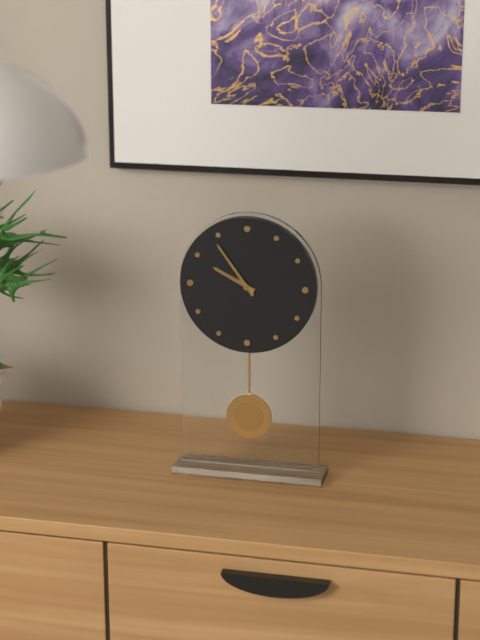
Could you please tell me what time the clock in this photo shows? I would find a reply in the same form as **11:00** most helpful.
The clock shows **9:54**
